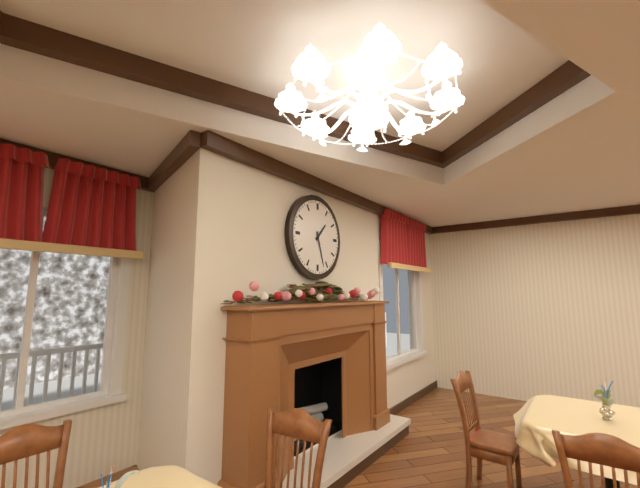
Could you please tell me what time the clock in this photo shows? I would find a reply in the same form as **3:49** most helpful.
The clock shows **1:27**
